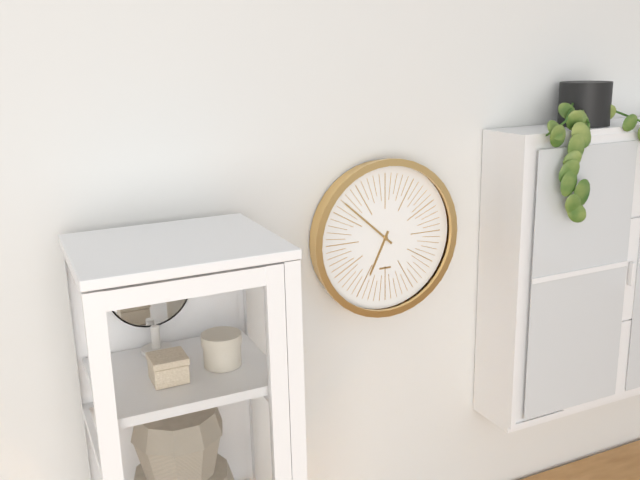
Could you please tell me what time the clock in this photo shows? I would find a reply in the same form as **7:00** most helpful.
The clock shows **6:52**
